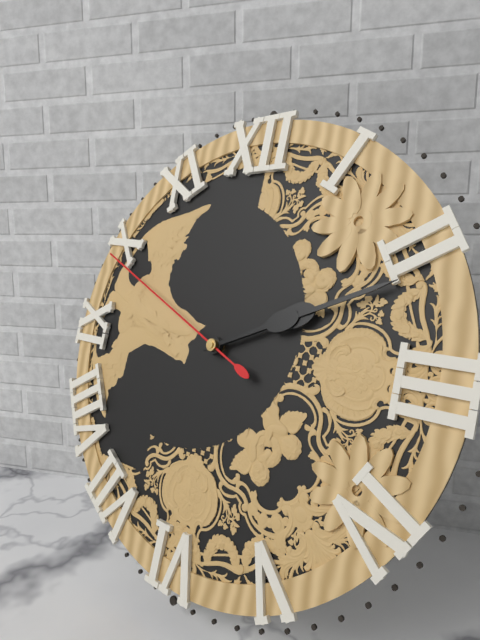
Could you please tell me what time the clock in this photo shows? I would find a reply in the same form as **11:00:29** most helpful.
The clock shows **2:11:49**
